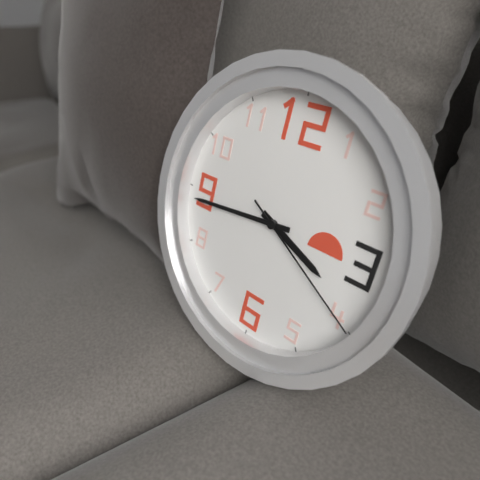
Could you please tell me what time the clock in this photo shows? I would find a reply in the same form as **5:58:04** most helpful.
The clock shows **3:44:20**
